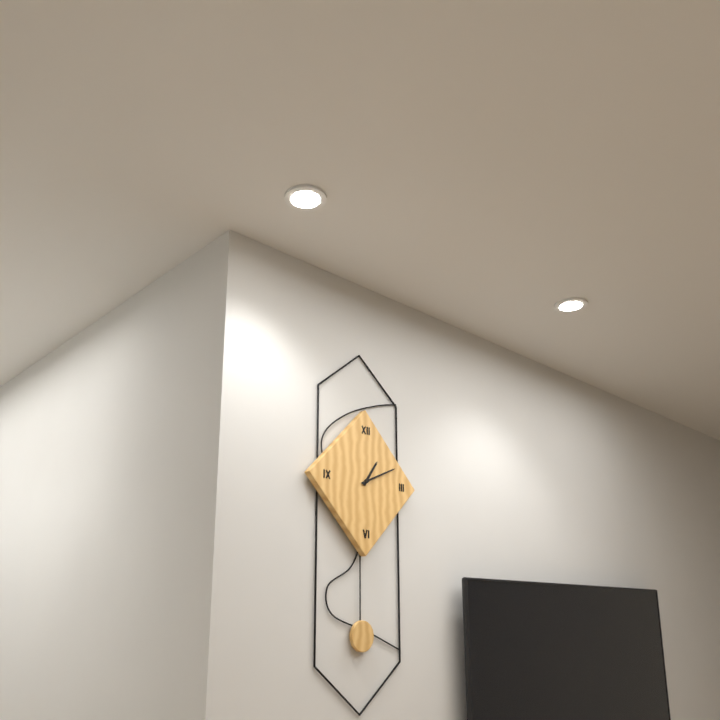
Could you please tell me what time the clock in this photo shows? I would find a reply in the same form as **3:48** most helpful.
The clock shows **1:11**
